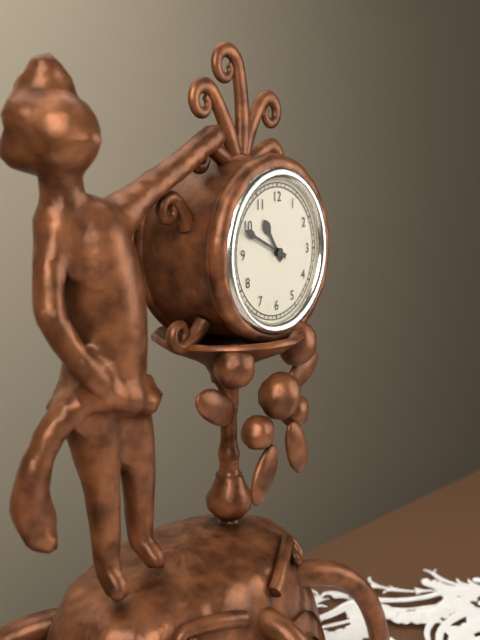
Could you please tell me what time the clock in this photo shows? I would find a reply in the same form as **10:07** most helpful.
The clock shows **10:49**
